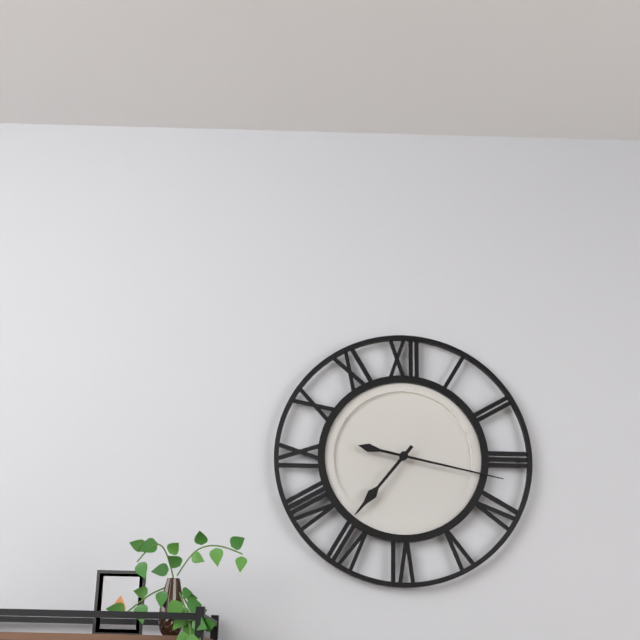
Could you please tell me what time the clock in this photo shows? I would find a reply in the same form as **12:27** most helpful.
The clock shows **7:17**
